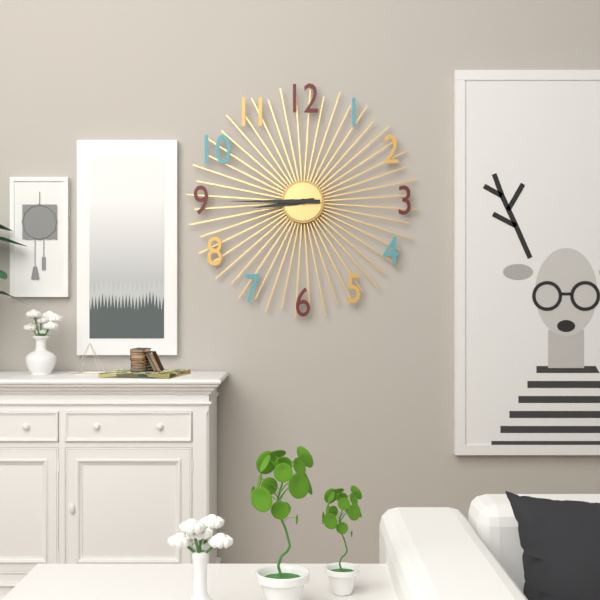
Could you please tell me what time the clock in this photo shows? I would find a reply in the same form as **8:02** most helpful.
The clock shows **8:45**
